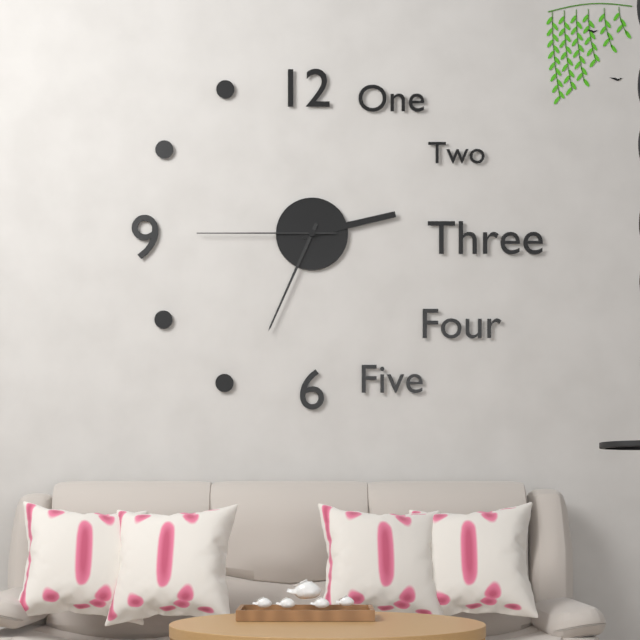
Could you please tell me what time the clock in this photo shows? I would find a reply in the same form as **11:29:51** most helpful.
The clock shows **2:34:45**
